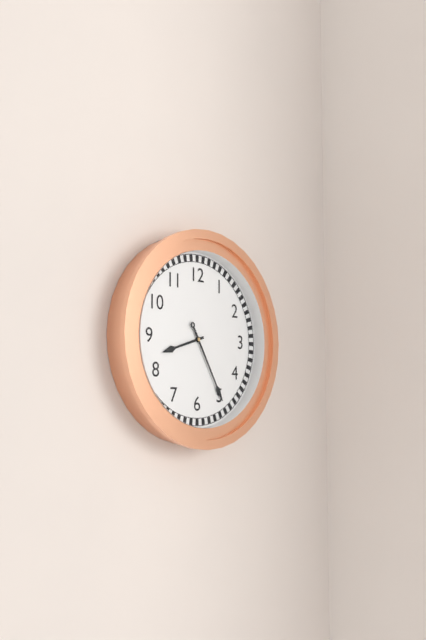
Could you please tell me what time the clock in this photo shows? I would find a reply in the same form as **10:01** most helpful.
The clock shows **8:25**
